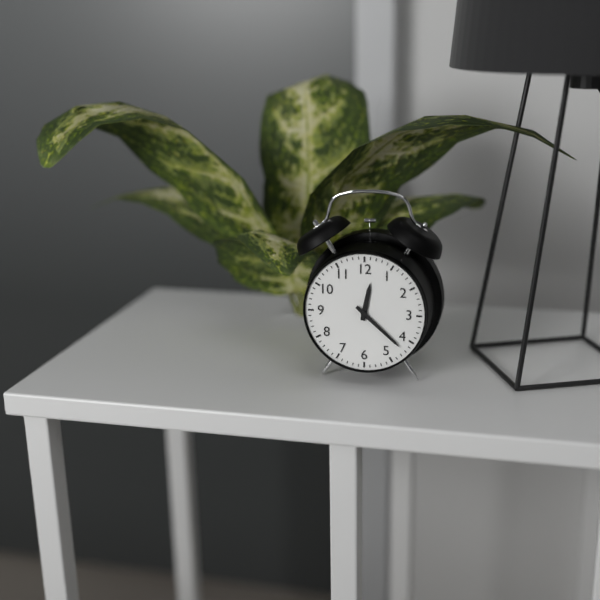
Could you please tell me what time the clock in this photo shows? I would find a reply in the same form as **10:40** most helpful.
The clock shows **12:22**
